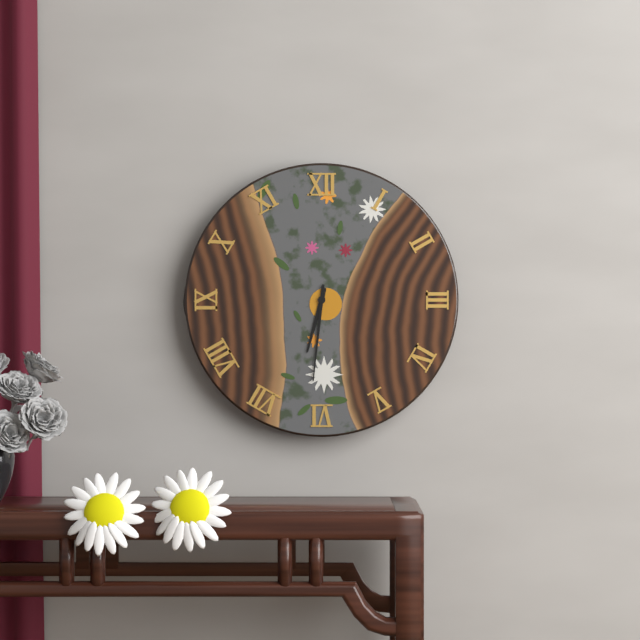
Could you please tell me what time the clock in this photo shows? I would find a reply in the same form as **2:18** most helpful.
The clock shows **6:31**
